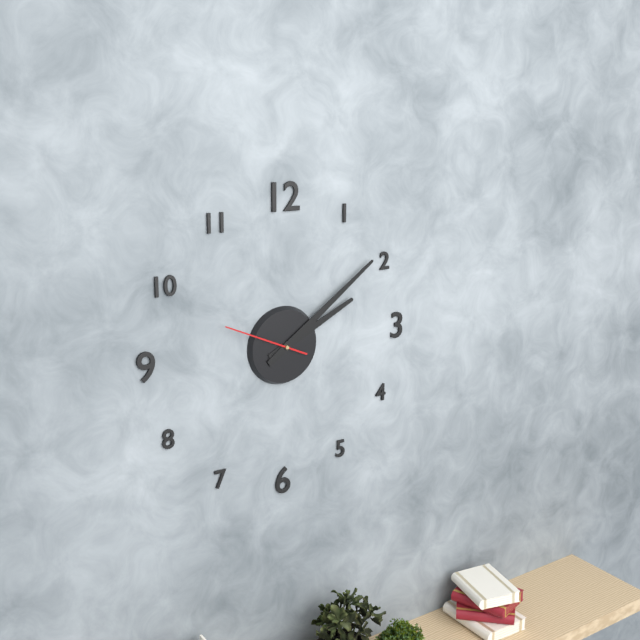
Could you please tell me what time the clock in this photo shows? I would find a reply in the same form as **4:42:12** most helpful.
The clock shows **2:09:49**
